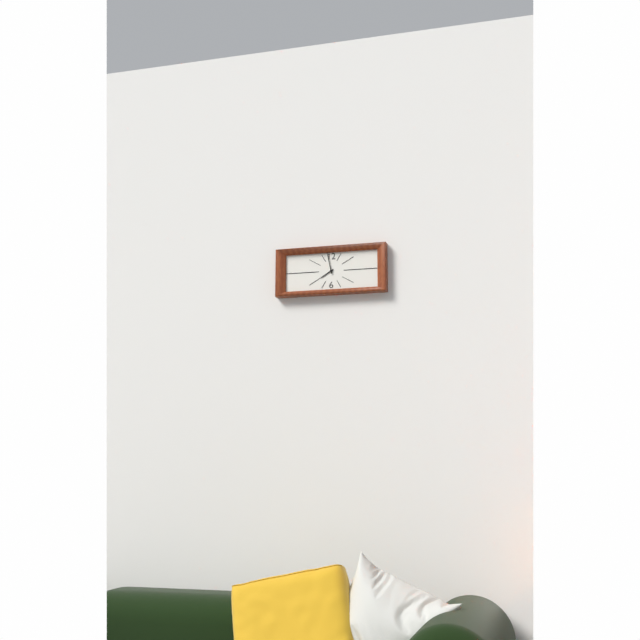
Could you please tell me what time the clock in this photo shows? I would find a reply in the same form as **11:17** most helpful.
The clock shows **7:58**
